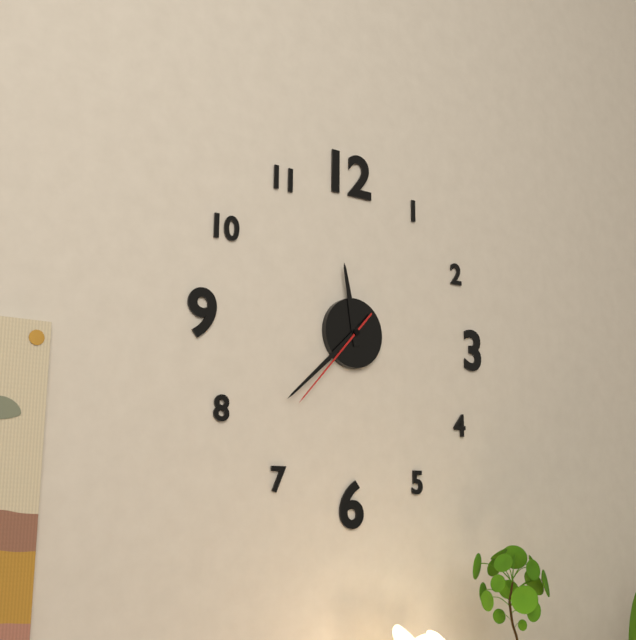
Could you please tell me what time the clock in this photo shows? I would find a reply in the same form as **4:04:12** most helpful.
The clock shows **11:38:37**
